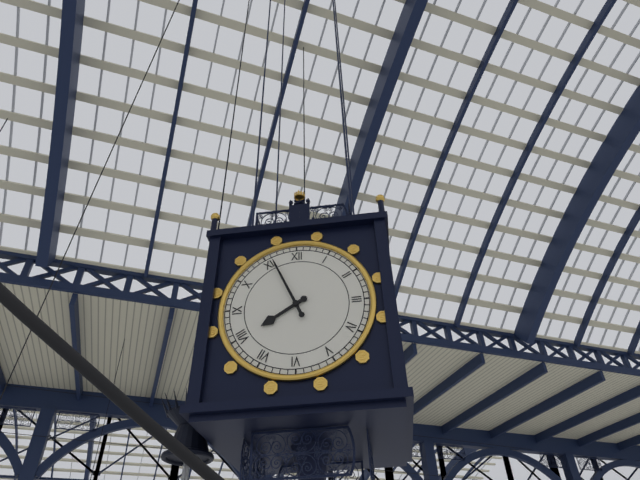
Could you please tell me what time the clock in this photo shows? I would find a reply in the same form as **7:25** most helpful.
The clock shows **7:56**
